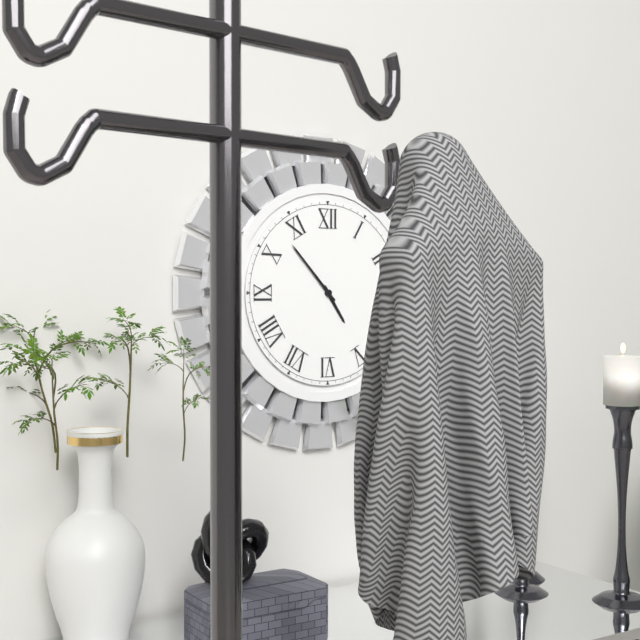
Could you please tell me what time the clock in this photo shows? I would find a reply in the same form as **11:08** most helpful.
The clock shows **4:53**
